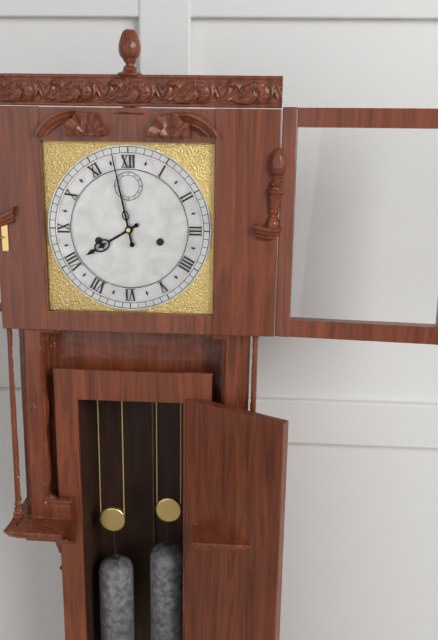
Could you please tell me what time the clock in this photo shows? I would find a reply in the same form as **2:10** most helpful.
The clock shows **7:58**
